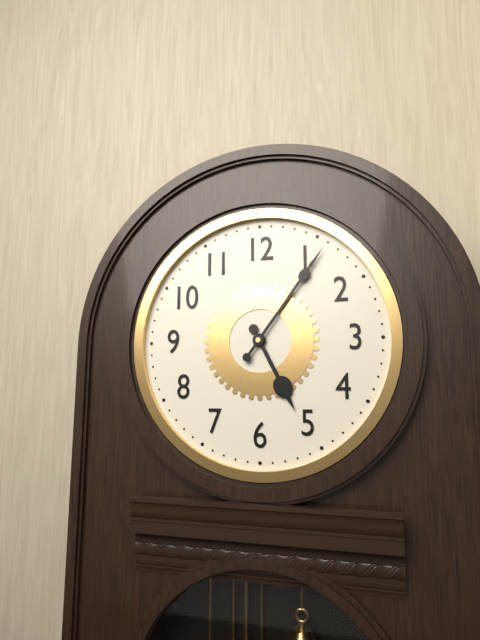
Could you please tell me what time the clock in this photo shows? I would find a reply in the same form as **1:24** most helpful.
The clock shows **5:06**
